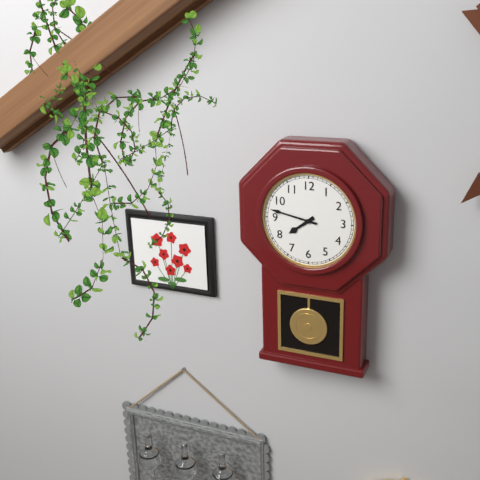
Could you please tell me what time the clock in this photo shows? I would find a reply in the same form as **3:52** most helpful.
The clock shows **7:47**
